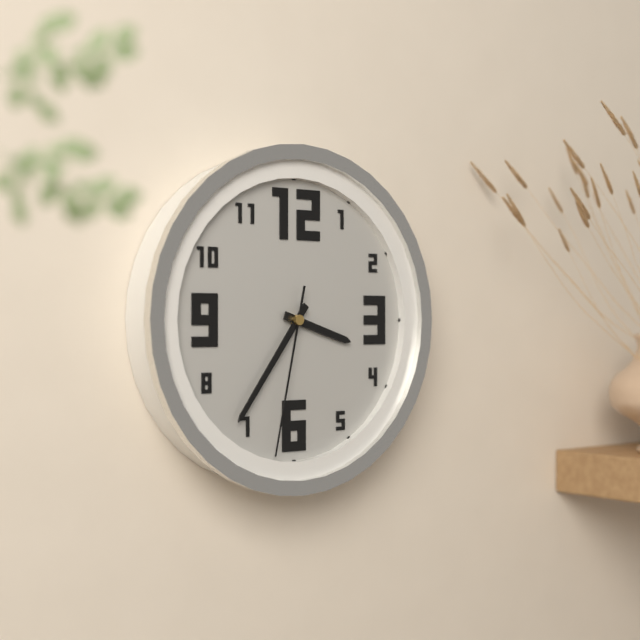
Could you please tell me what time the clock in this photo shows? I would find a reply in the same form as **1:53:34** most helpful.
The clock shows **3:36:32**
